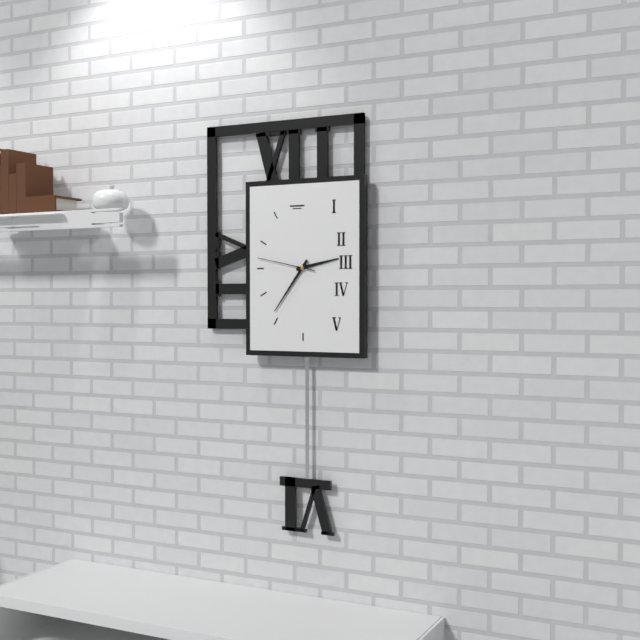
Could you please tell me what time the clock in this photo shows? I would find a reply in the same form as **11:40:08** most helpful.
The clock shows **2:36:47**
